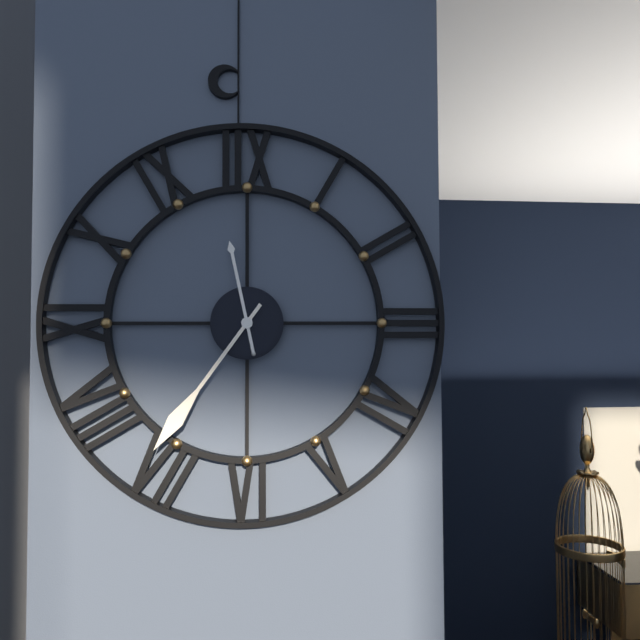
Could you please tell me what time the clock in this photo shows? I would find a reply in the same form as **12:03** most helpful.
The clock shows **11:36**
